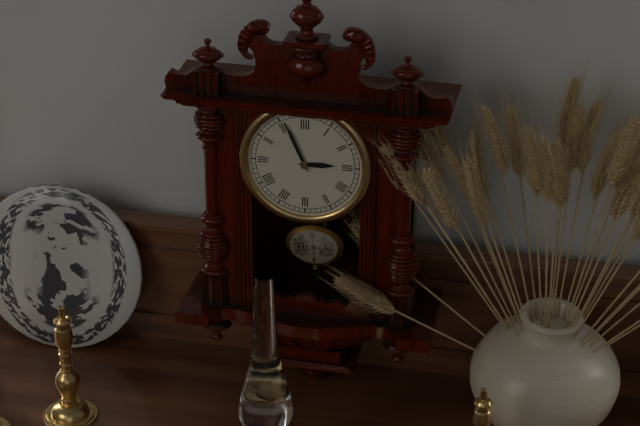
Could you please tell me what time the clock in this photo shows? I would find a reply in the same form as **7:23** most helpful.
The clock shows **2:56**
